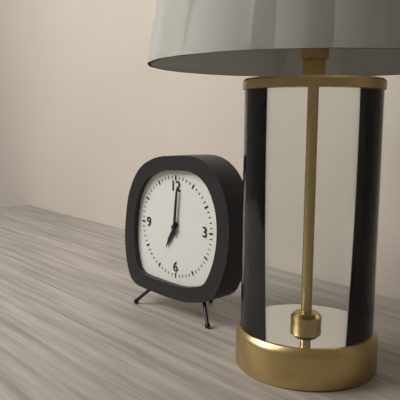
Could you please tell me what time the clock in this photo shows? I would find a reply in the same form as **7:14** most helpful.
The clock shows **7:01**
